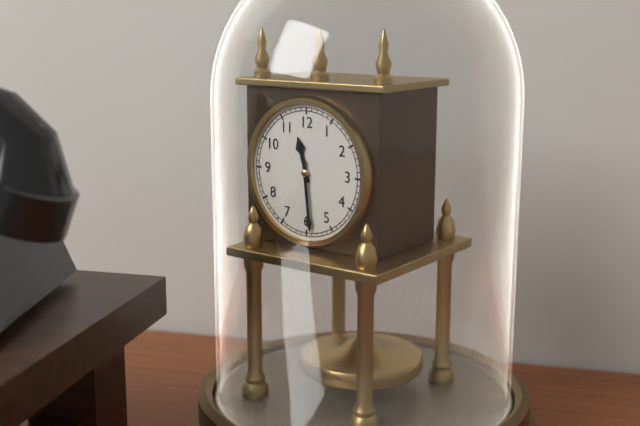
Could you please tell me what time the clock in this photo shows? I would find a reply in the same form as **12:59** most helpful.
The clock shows **11:29**
